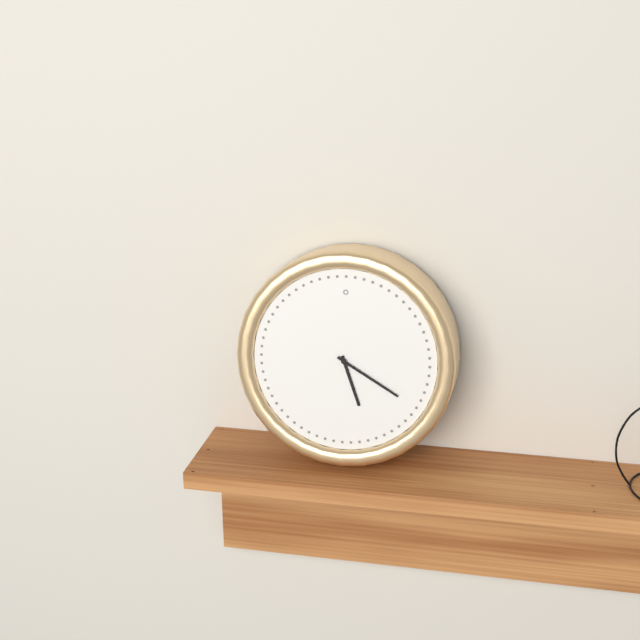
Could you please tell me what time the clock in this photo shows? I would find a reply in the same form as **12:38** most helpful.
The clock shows **5:20**
